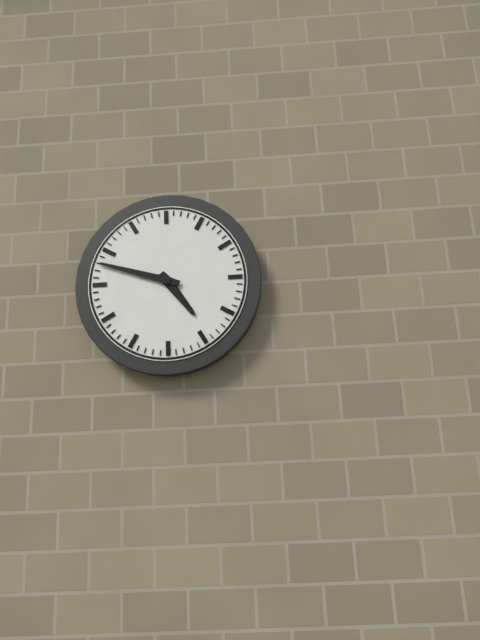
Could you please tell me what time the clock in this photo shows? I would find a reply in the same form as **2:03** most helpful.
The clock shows **4:48**
